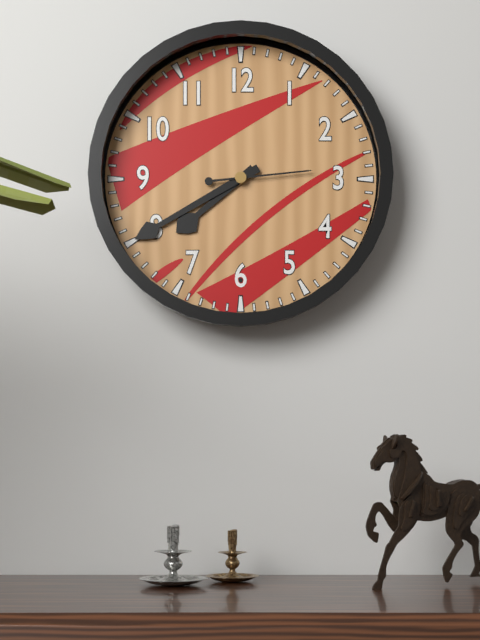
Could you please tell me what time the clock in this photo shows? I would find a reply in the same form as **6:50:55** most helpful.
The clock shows **7:40:14**
